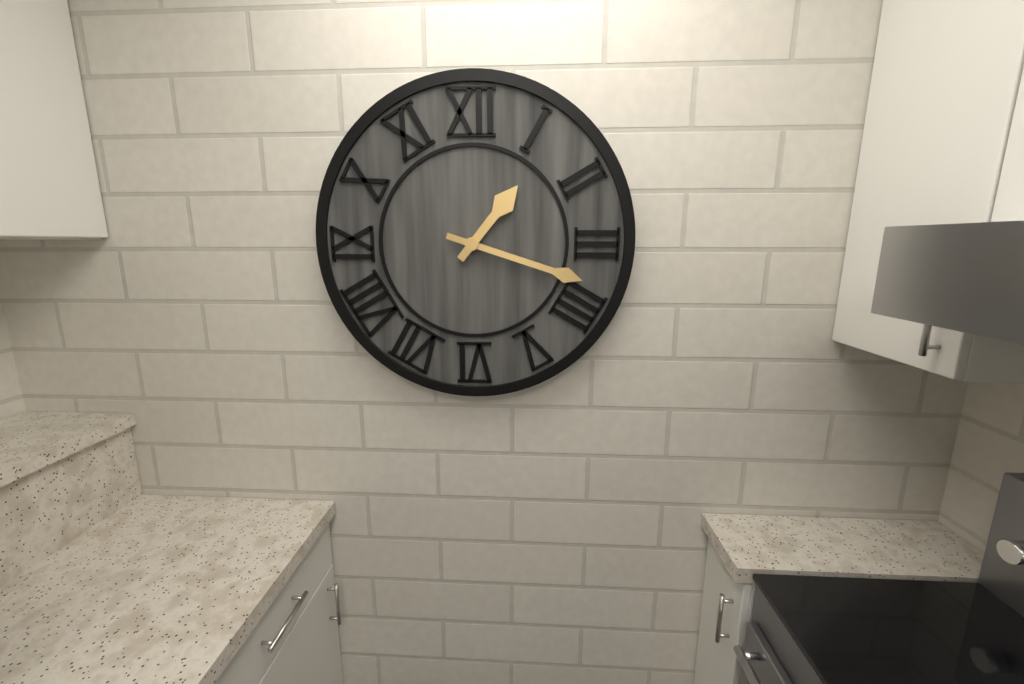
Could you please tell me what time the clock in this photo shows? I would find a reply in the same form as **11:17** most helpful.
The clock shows **1:18**
